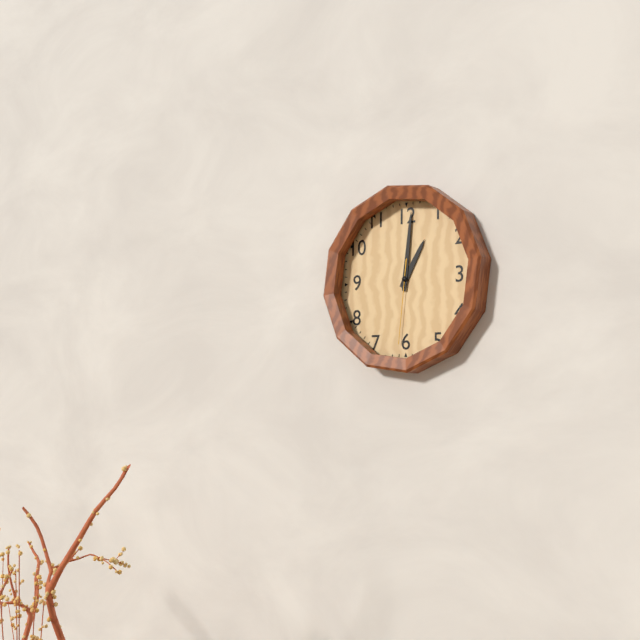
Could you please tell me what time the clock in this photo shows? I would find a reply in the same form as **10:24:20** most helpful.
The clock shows **1:01:31**
